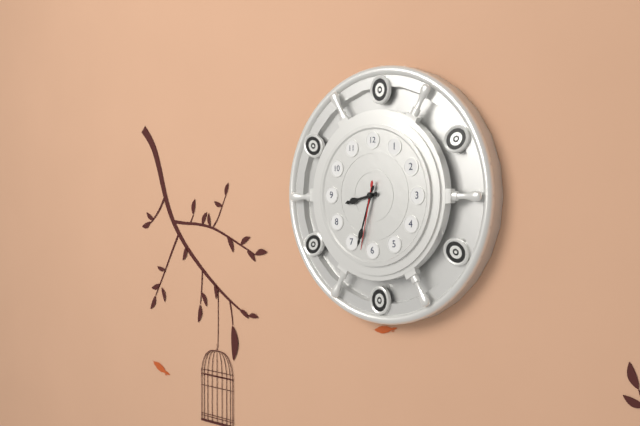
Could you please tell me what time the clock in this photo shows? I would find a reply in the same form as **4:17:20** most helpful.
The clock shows **8:33:32**
